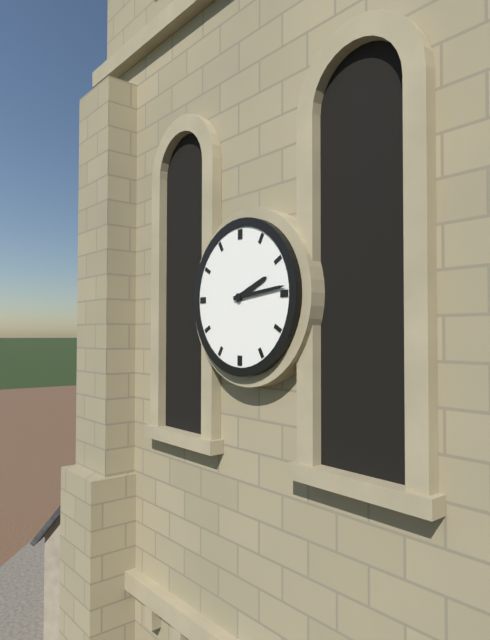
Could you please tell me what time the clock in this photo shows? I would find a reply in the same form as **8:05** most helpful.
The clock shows **2:14**
